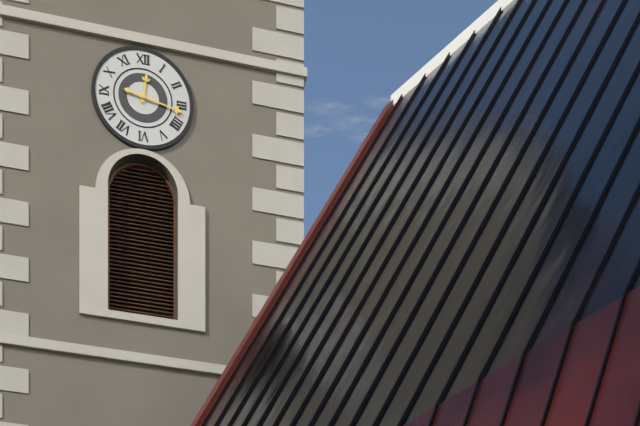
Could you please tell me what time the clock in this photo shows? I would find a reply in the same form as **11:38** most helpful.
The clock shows **12:17**
